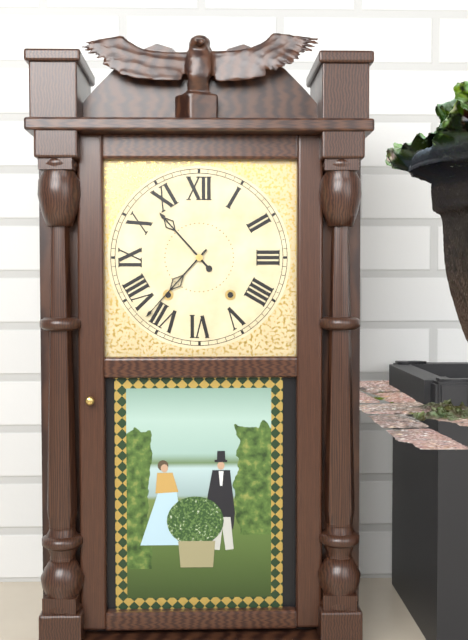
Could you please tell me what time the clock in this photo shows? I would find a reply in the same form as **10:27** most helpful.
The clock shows **10:37**
